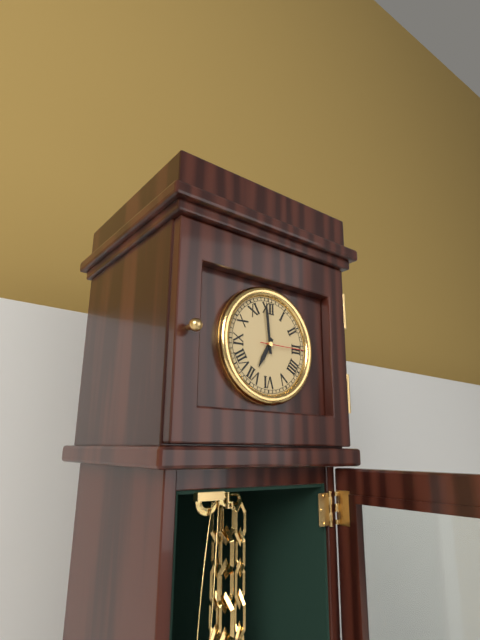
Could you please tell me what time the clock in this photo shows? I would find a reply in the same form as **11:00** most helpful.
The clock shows **6:59**
